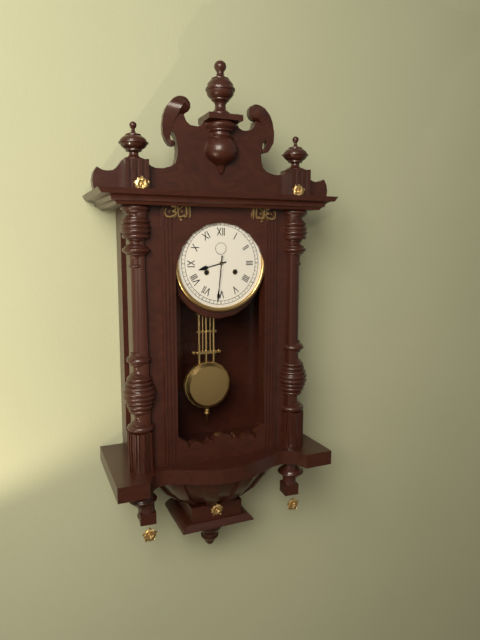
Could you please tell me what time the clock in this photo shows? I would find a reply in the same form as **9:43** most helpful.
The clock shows **8:31**
